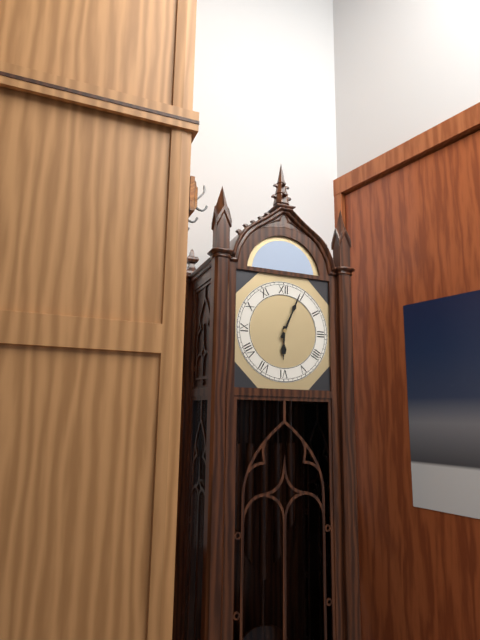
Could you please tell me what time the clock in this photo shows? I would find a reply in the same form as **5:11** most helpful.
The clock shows **6:04**
